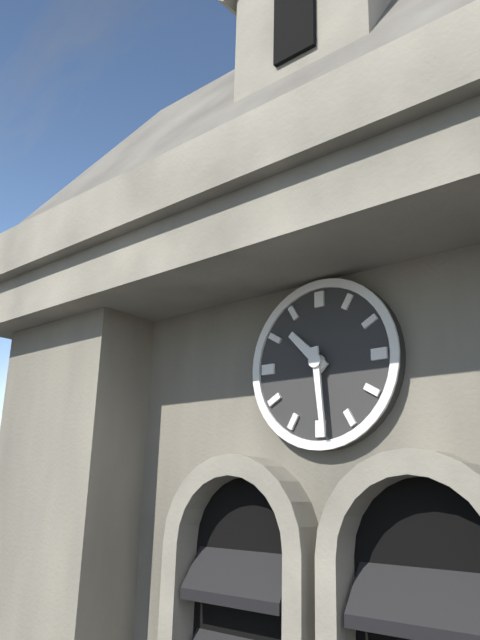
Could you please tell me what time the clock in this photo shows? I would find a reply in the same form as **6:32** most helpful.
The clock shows **10:29**
